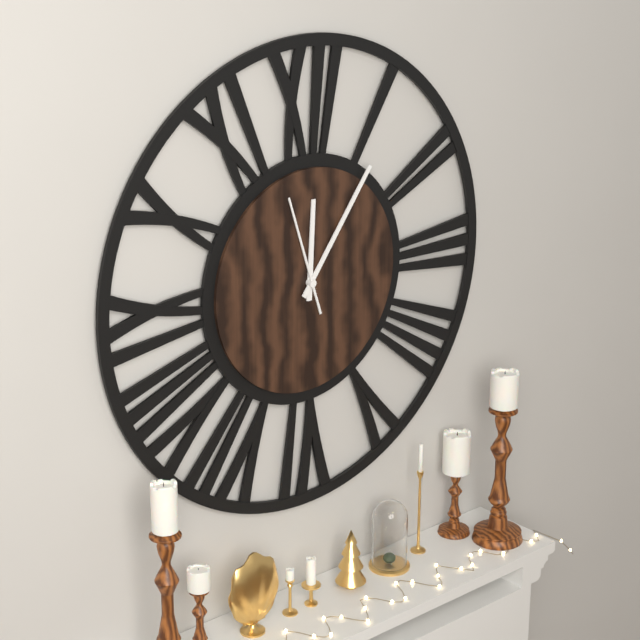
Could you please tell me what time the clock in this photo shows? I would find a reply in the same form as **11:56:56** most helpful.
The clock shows **12:06:57**
